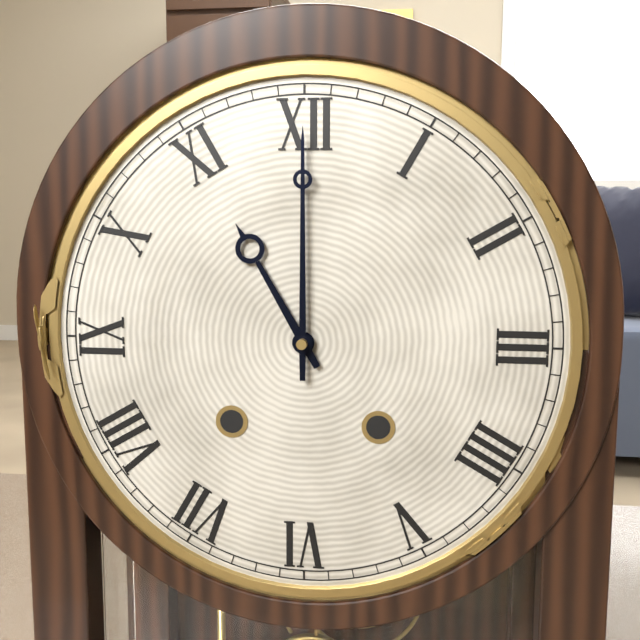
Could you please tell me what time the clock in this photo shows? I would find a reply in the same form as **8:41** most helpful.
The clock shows **11:00**
